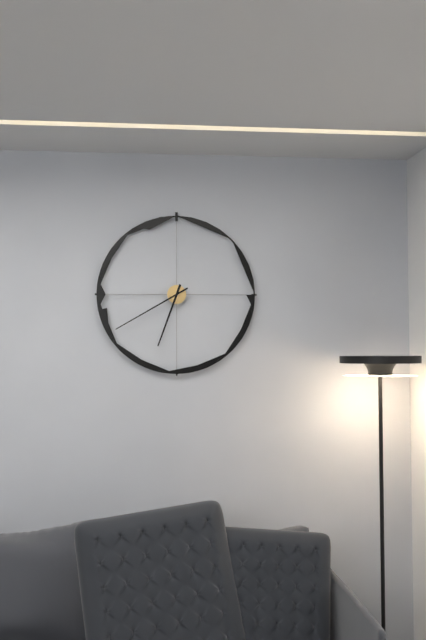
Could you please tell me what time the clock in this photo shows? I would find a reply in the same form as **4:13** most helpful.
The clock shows **6:40**
